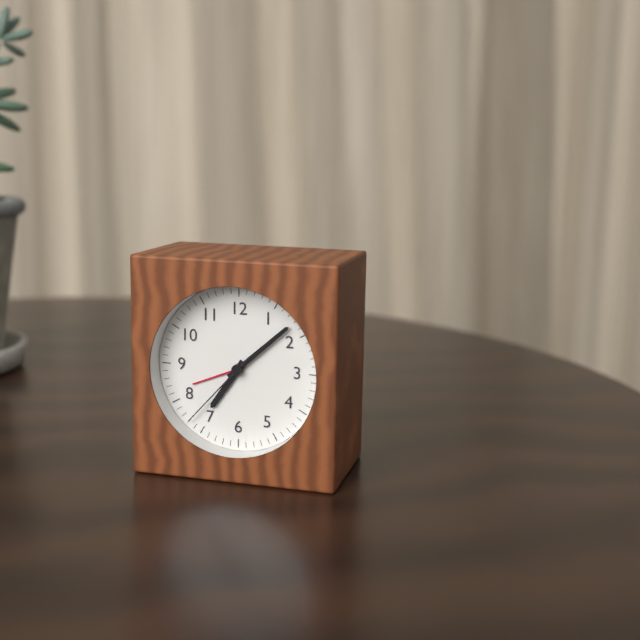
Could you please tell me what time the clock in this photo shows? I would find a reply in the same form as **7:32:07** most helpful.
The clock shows **7:08:37**
